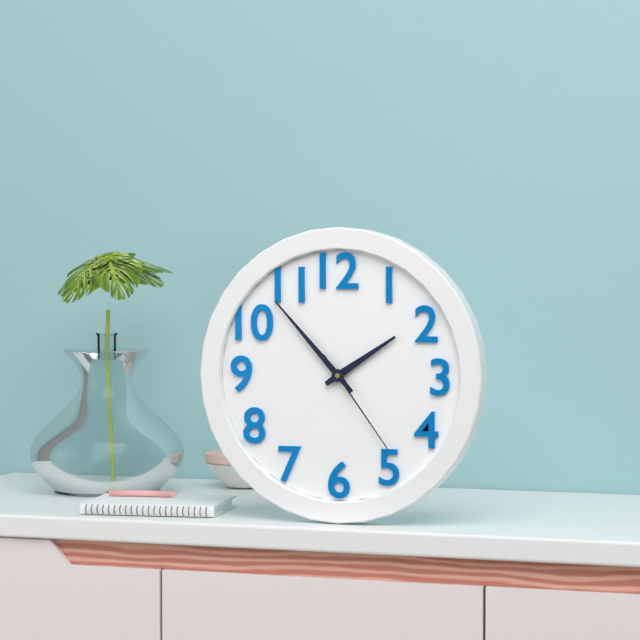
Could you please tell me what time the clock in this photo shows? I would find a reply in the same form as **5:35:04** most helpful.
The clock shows **1:53:24**
